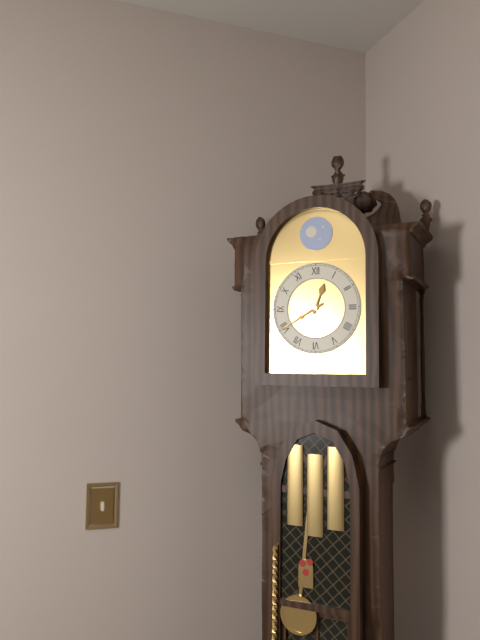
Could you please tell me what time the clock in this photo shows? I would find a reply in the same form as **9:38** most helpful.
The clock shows **12:40**
